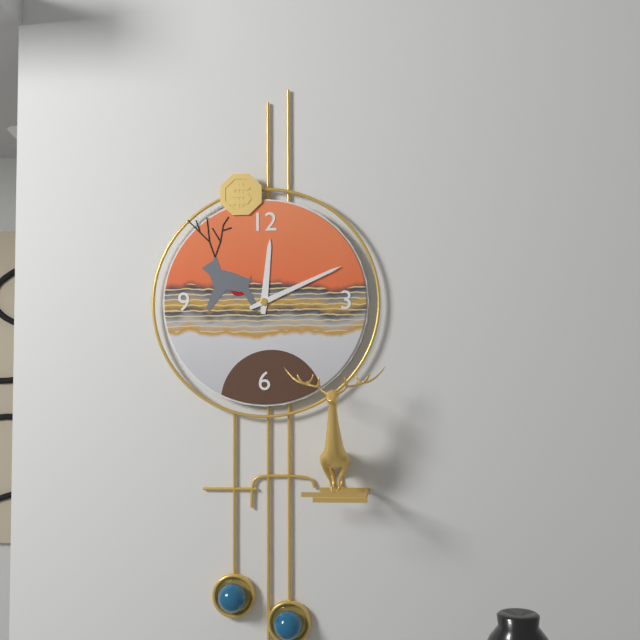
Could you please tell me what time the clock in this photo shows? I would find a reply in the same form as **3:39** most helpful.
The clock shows **12:11**
